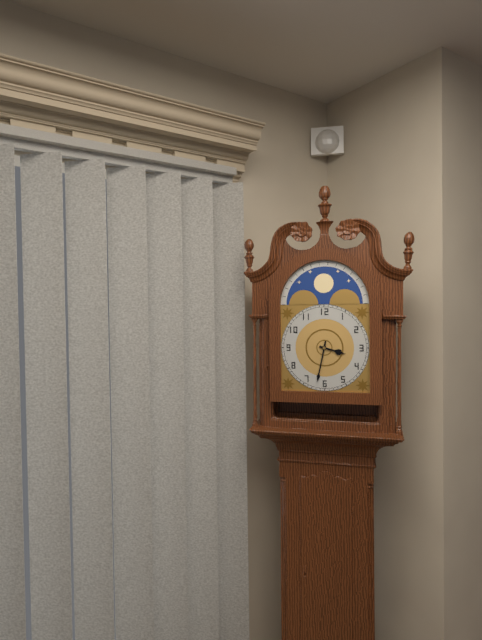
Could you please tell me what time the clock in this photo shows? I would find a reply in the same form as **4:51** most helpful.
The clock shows **3:32**
